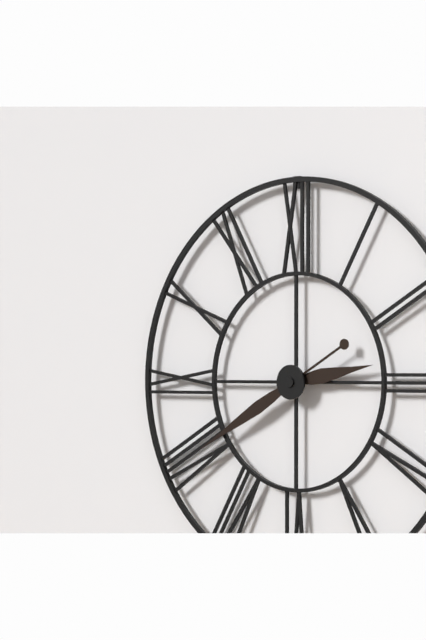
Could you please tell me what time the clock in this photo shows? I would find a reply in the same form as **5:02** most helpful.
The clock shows **2:40**
